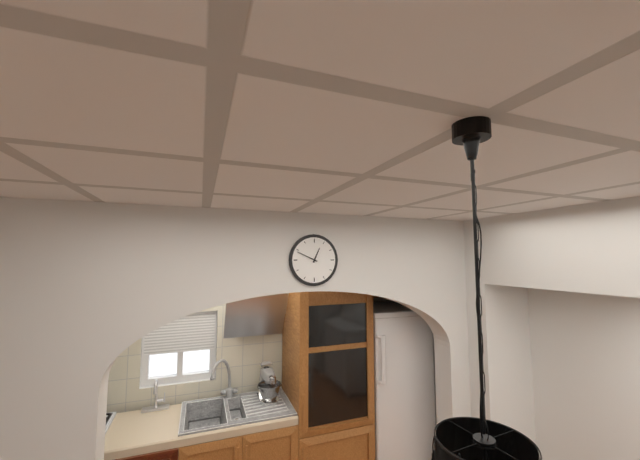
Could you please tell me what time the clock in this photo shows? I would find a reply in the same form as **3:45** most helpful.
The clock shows **12:49**
